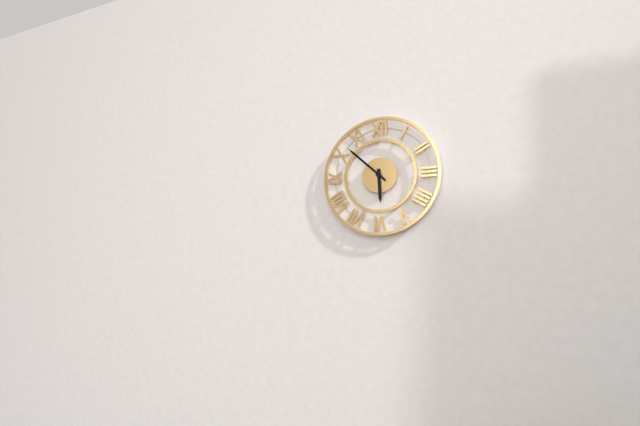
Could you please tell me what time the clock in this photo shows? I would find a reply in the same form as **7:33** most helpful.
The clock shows **5:52**
